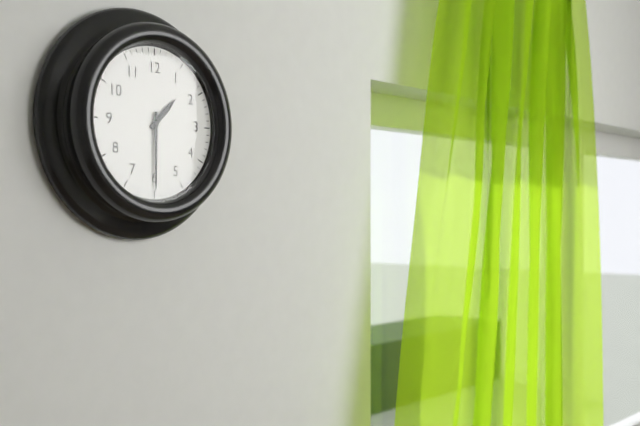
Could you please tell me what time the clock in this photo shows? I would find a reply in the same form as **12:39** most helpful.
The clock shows **1:30**
